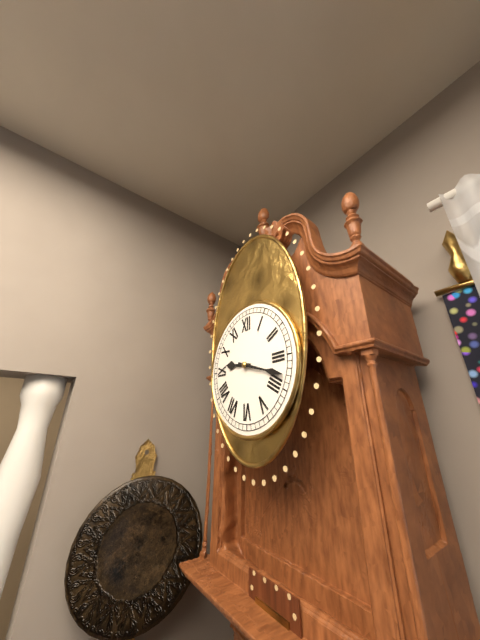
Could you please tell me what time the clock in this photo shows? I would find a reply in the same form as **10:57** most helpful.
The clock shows **9:18**
